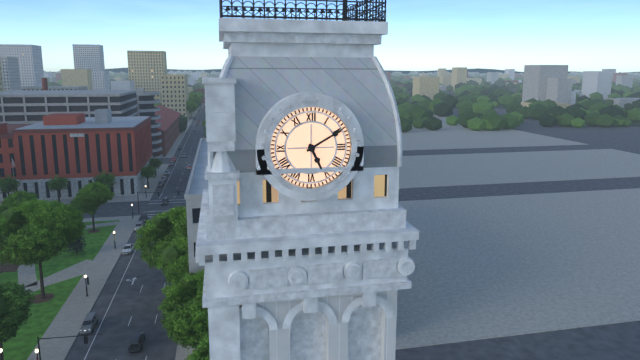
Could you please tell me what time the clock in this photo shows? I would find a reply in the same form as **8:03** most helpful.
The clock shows **5:10**
